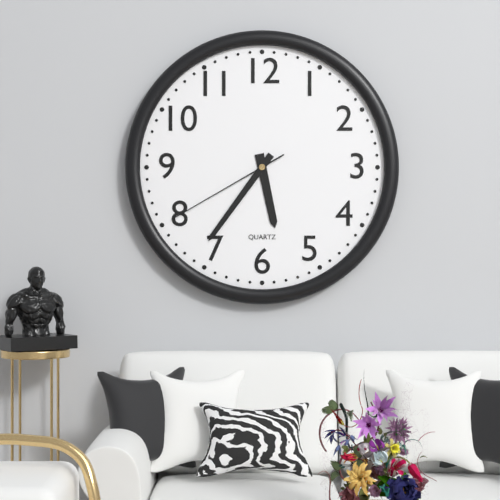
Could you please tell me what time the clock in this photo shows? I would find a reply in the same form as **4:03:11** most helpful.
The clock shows **5:36:40**
